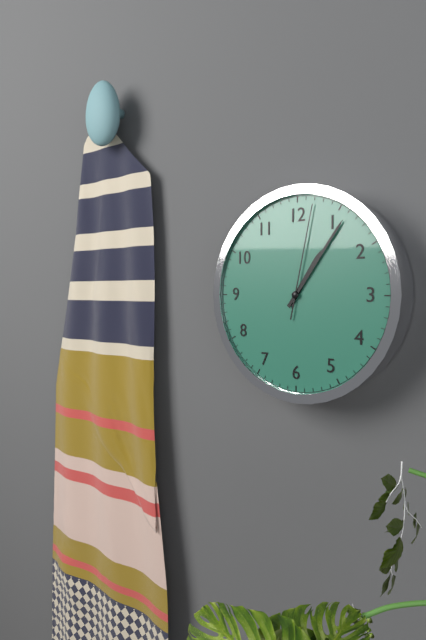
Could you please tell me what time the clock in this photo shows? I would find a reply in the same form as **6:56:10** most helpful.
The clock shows **1:06:02**
